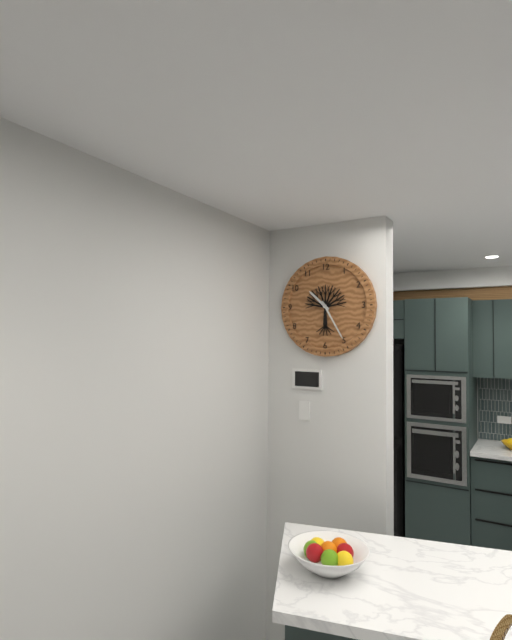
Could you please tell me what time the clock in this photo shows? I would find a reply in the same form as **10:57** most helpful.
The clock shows **10:25**
